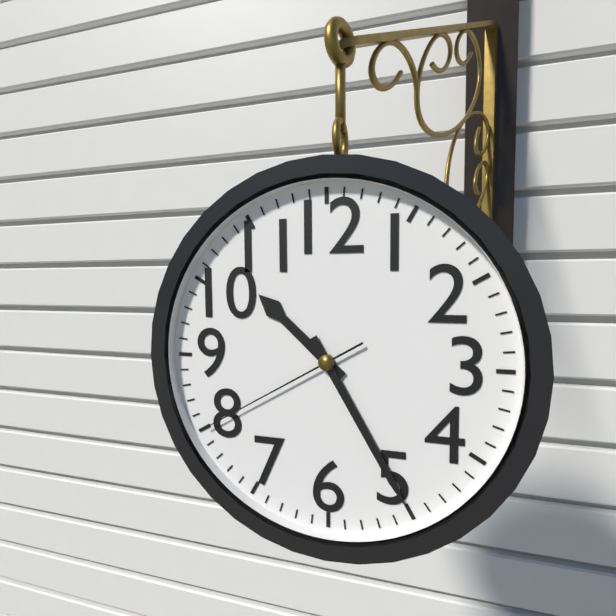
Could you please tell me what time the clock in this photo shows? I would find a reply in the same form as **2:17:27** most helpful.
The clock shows **10:25:40**
